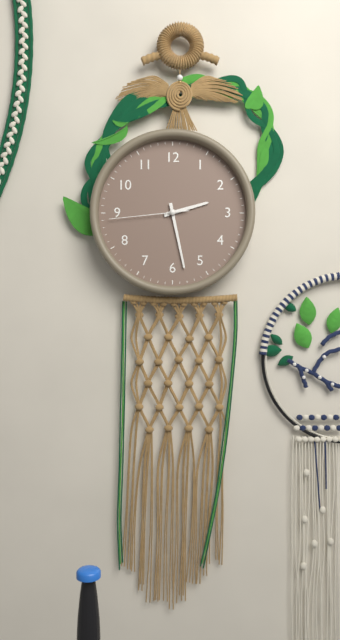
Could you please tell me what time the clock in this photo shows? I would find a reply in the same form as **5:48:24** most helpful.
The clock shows **2:28:44**
